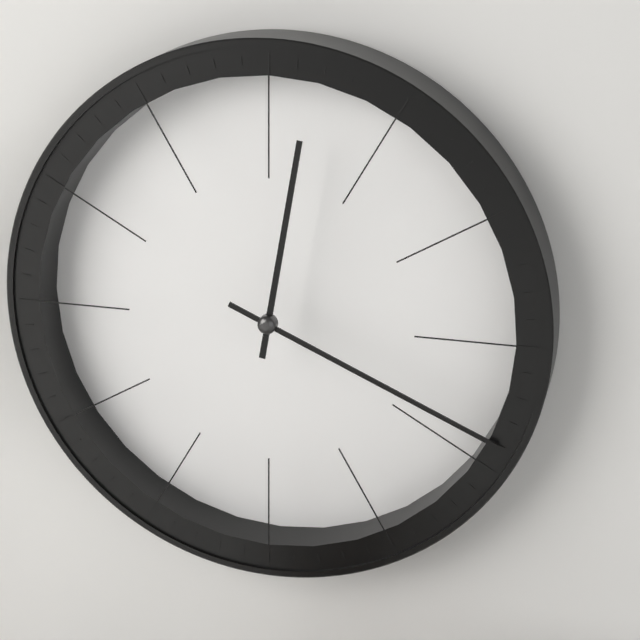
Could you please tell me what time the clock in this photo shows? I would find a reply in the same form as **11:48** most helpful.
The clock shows **12:19**
